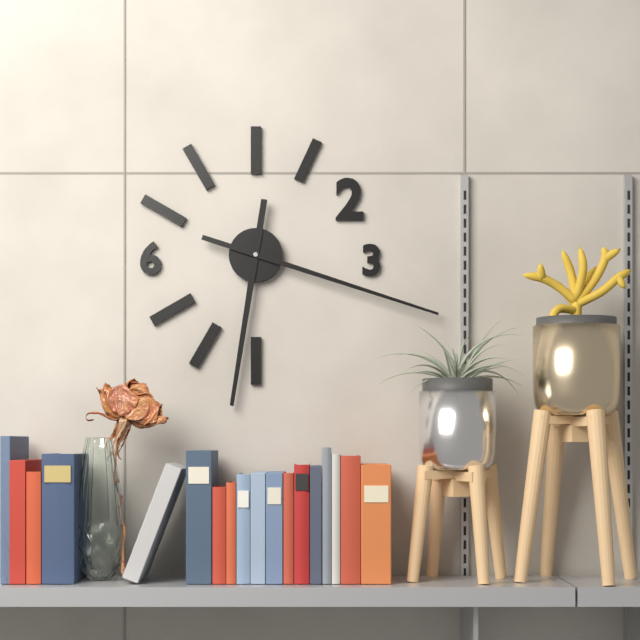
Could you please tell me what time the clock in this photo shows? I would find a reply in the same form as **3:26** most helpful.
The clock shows **6:18**
